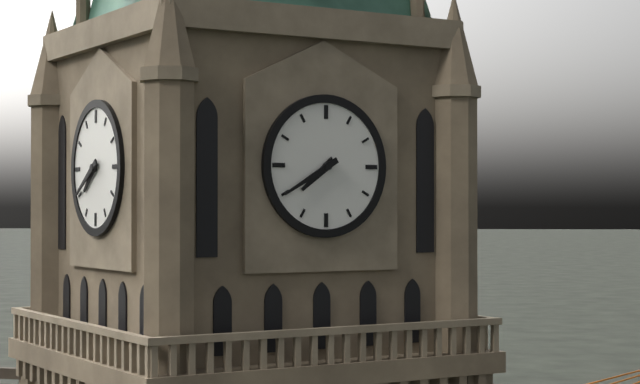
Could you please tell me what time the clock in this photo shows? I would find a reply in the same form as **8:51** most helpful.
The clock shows **7:40**
